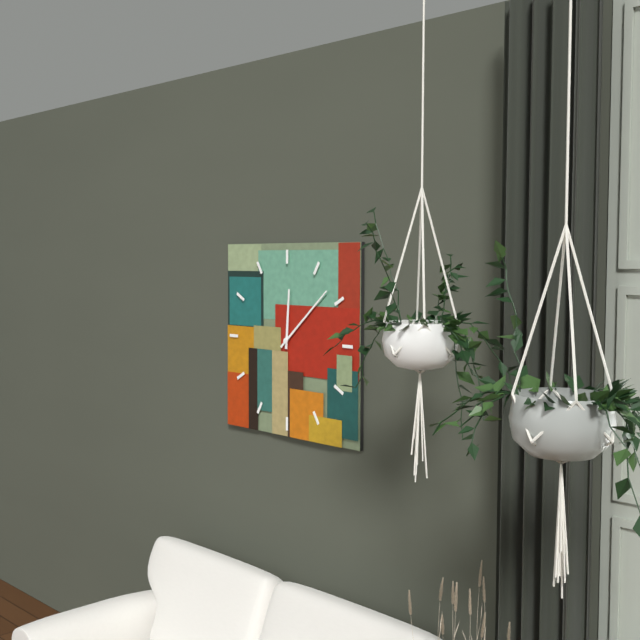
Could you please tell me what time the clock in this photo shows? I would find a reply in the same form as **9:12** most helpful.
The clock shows **12:08**
